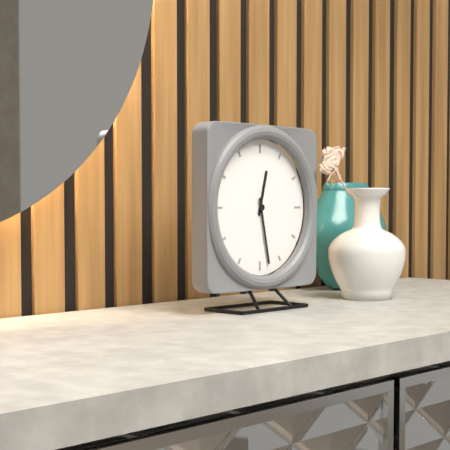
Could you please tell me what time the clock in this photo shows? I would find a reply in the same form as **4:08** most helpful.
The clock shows **12:28**
